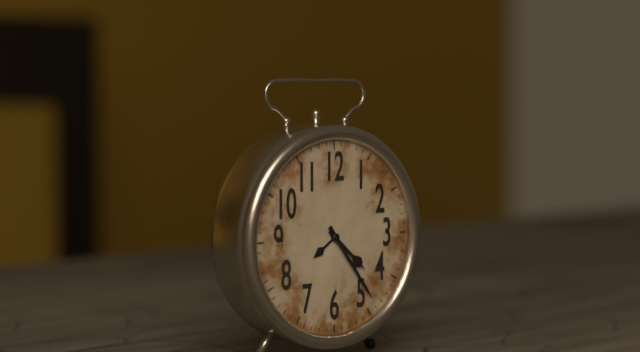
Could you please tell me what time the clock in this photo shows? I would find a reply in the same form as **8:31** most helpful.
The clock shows **4:24**
